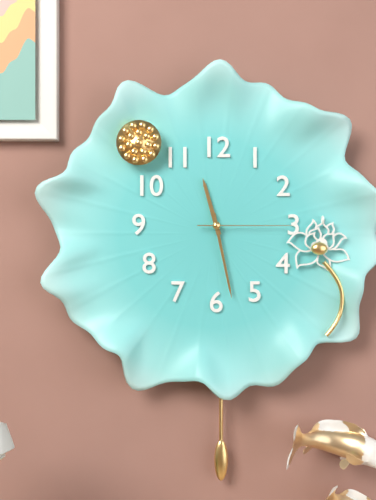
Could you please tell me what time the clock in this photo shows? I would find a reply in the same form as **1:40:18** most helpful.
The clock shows **11:28:15**
